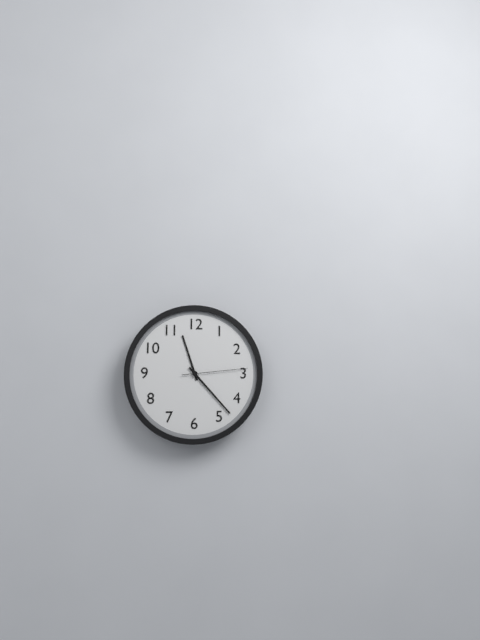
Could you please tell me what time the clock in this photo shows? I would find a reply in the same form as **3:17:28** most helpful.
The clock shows **11:23:14**
